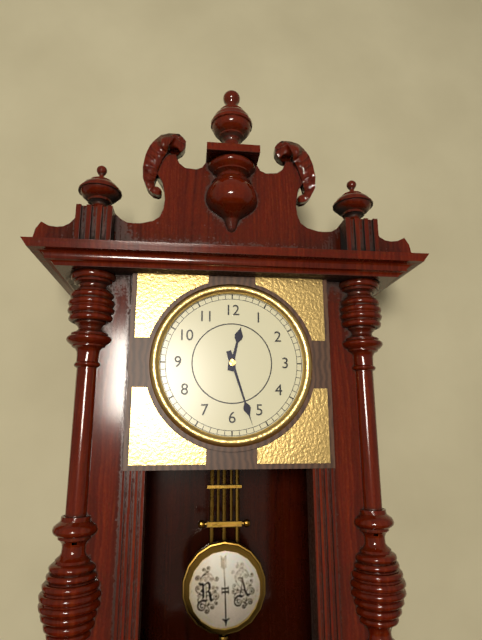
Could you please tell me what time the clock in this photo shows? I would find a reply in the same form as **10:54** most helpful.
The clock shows **12:27**
